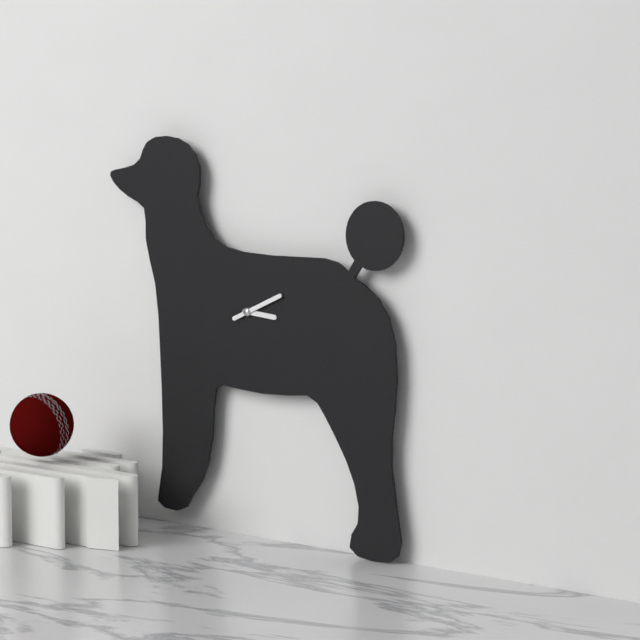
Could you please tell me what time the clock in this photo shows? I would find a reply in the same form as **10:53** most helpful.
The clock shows **3:11**
